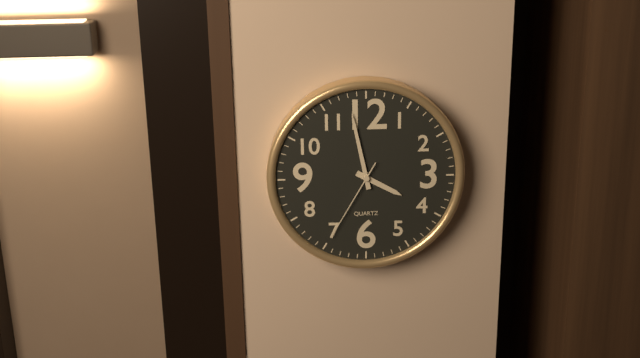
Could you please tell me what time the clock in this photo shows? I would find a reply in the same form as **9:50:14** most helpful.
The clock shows **3:58:35**
